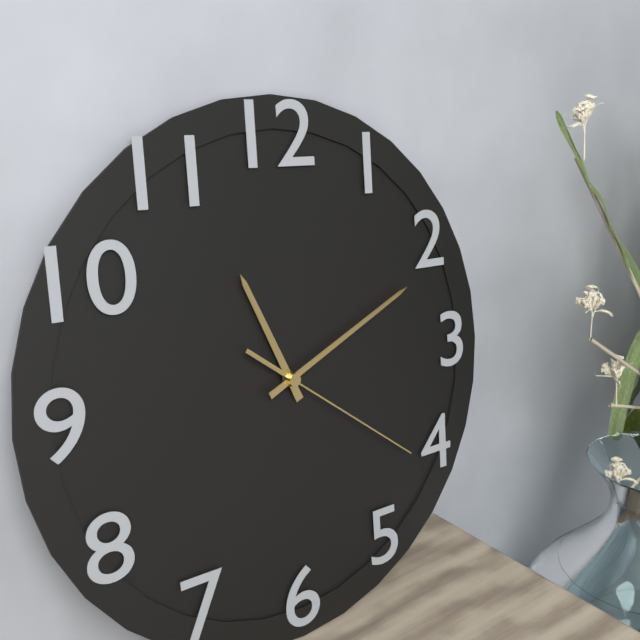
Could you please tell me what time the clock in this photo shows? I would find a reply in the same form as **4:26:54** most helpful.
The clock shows **11:11:21**
